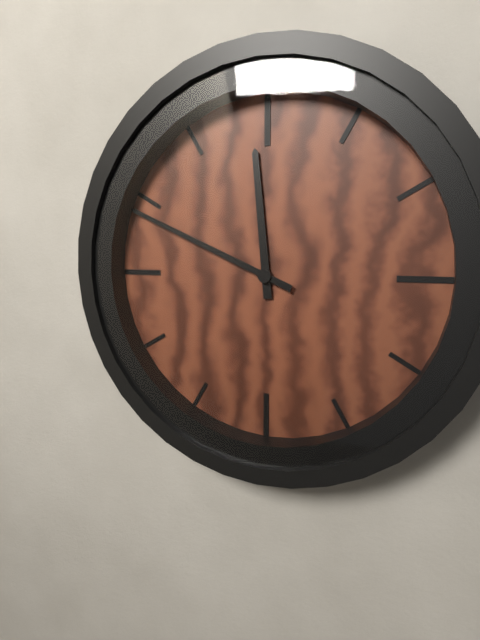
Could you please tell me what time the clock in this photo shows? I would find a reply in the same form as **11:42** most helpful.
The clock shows **11:49**
